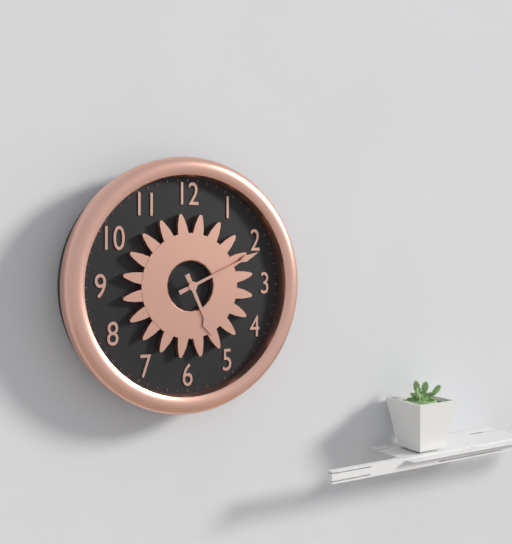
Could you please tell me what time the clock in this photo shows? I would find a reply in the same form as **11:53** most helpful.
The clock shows **5:11**
